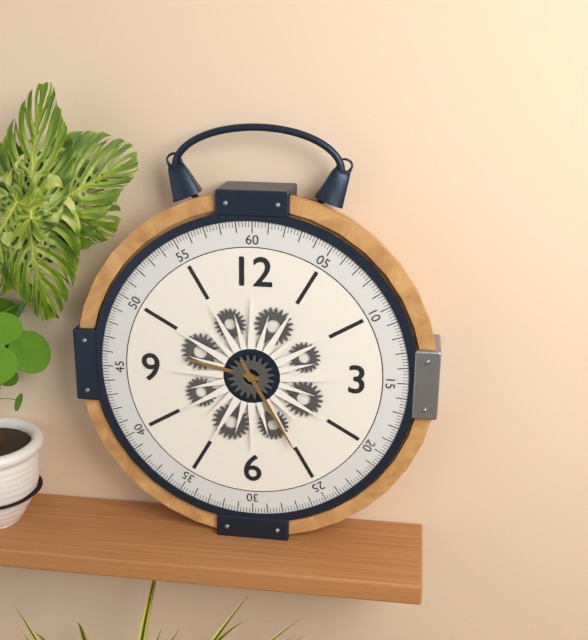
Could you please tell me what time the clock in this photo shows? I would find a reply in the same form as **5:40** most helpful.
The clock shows **9:25**
